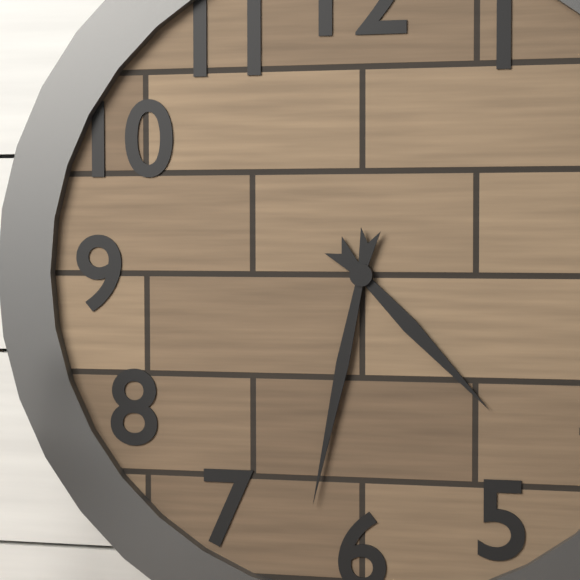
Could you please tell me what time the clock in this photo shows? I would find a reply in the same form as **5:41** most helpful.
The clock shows **4:32**
